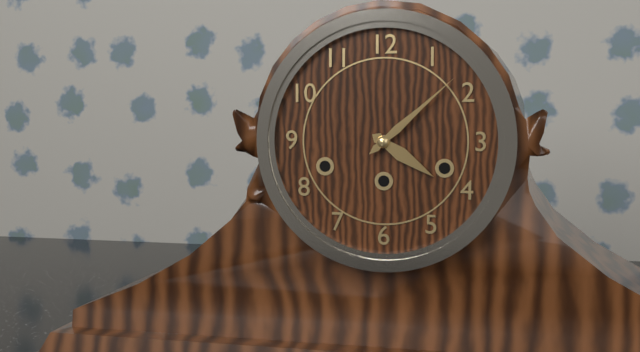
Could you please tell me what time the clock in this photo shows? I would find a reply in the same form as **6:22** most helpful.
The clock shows **4:08**
